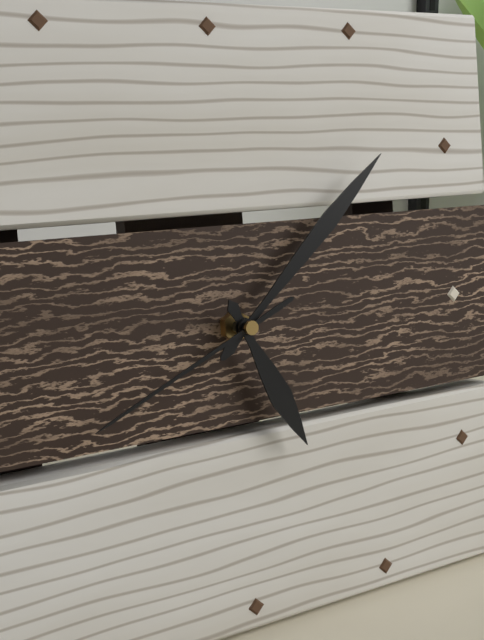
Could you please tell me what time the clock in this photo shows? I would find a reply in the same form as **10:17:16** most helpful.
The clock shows **5:08:41**
